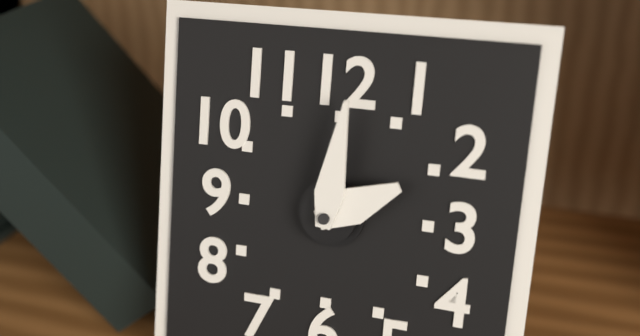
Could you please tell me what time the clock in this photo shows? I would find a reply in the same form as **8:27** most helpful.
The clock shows **2:01**
